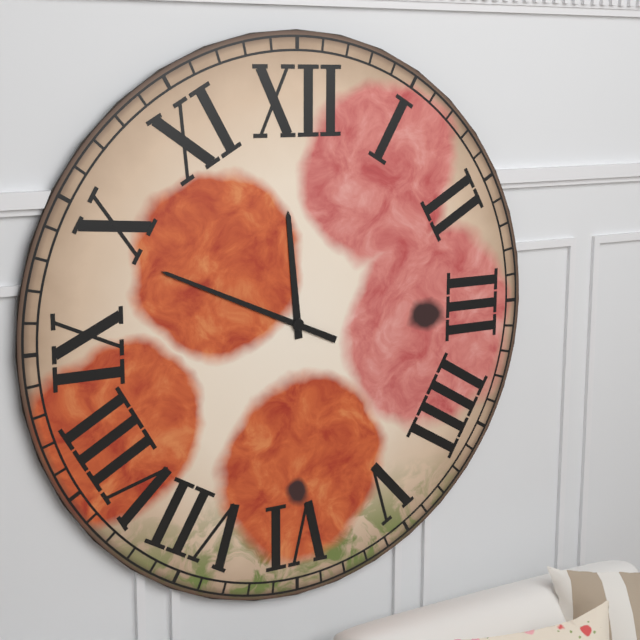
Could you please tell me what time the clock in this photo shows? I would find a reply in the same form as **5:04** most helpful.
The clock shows **11:49**
